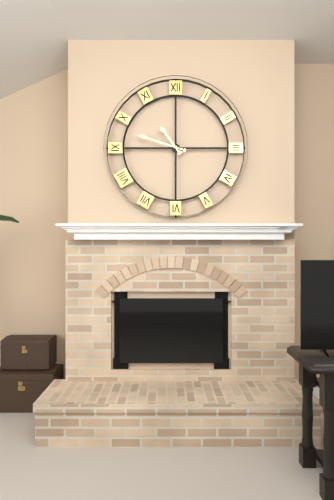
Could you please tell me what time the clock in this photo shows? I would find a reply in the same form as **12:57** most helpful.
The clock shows **10:48**
